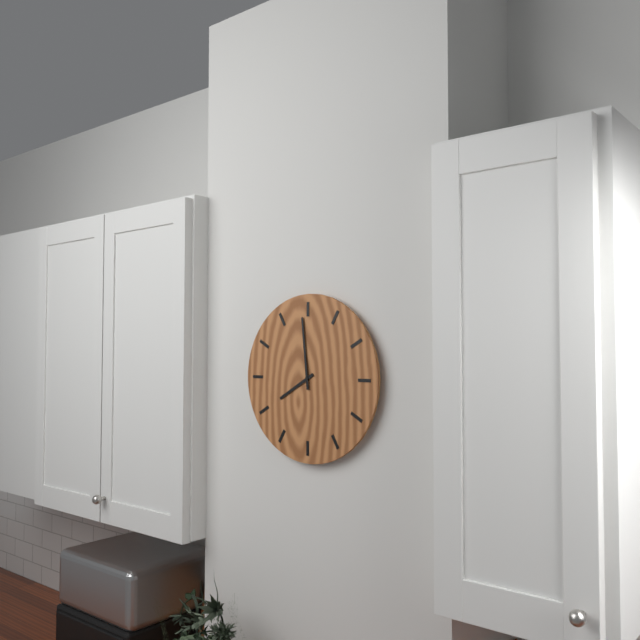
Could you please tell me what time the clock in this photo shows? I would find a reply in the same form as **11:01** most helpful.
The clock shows **7:59**
